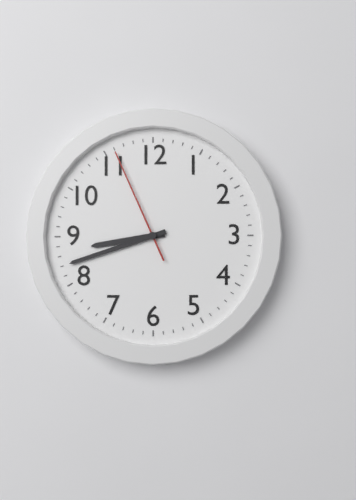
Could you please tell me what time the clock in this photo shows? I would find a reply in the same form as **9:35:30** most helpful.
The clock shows **8:42:56**
